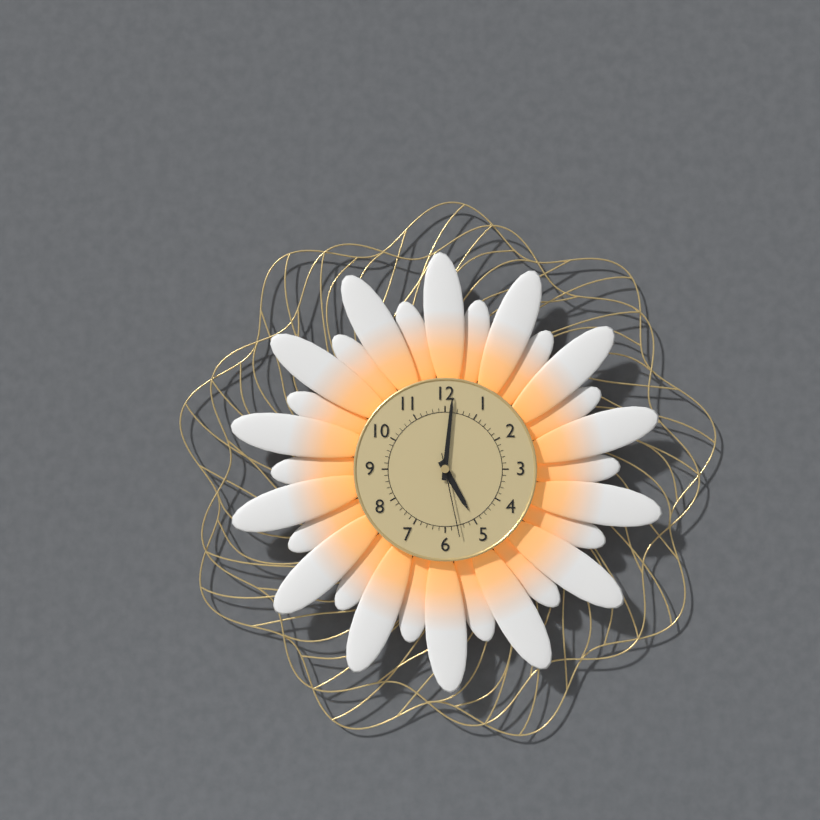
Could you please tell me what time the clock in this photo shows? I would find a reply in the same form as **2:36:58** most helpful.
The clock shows **5:01:28**
